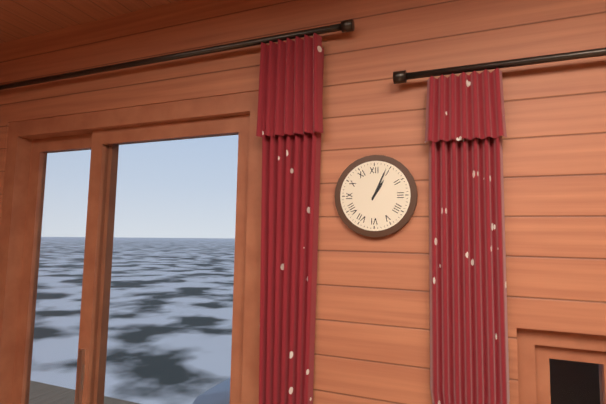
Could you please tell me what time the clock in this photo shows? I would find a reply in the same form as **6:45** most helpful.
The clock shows **1:04**
